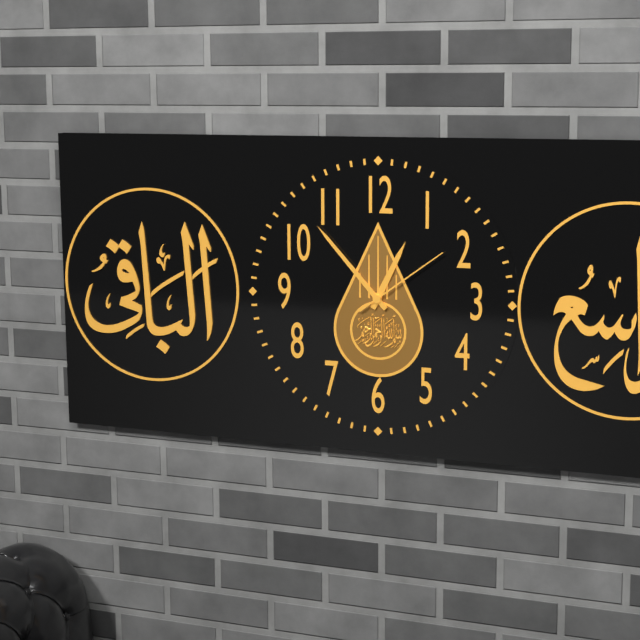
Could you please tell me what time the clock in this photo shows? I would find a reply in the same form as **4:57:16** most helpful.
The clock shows **12:53:09**
